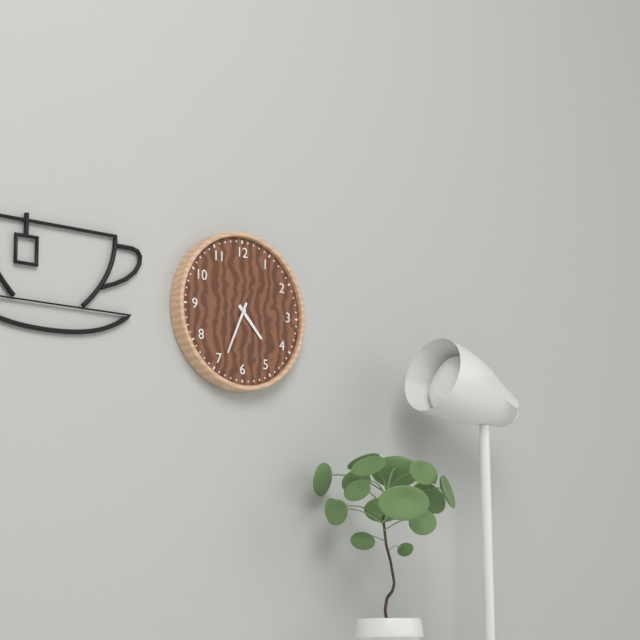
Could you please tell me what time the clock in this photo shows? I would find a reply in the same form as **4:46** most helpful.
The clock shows **4:34**
